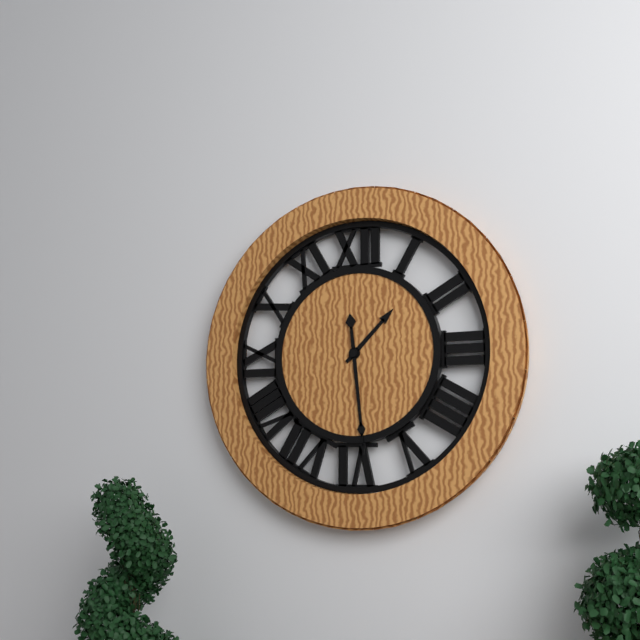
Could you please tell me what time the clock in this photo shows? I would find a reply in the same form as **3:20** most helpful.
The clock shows **1:29**
